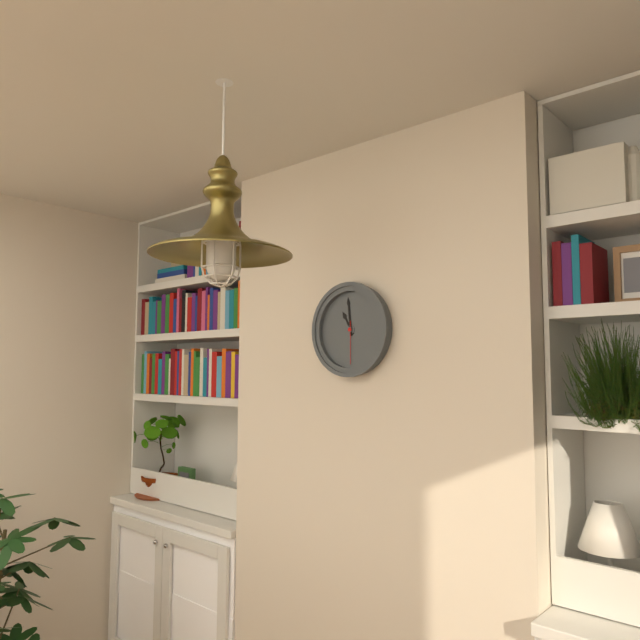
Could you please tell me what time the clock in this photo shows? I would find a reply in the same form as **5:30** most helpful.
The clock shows **10:59**
